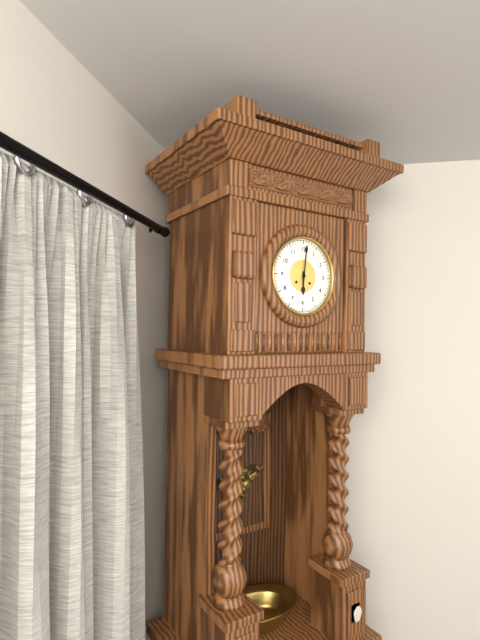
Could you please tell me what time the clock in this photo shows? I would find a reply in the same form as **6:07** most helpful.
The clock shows **6:01**
